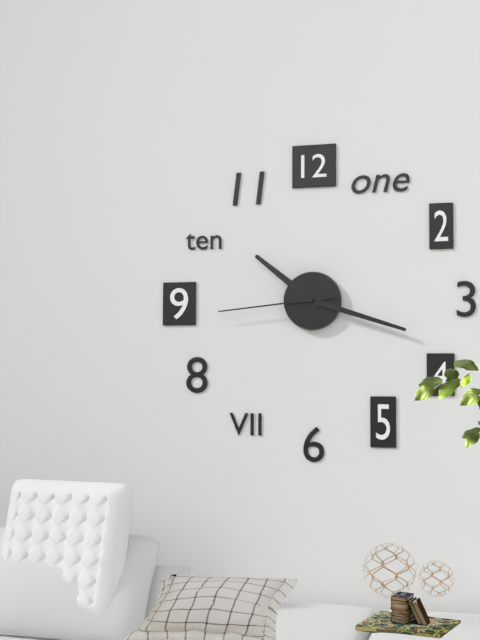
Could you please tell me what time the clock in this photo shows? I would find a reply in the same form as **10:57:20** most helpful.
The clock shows **10:18:44**
